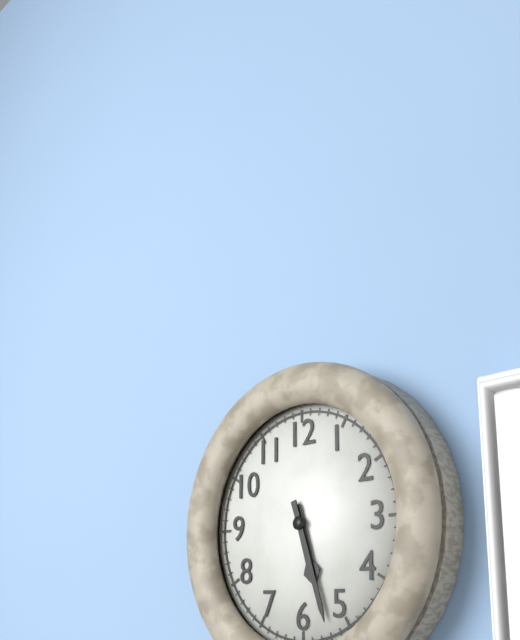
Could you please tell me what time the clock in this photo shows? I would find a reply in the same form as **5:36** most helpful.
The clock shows **5:27**
